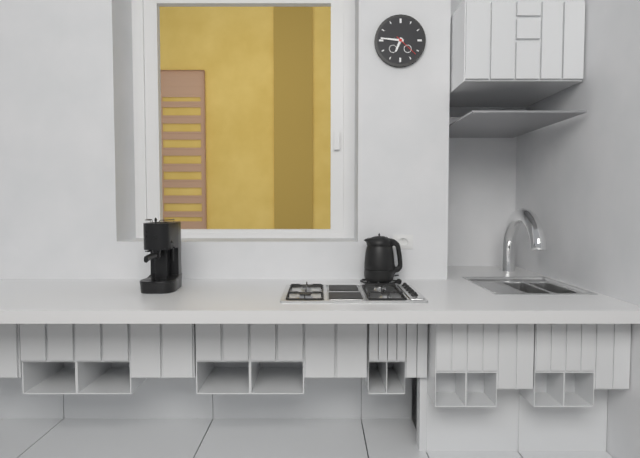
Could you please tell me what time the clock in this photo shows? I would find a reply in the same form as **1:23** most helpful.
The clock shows **6:46**
